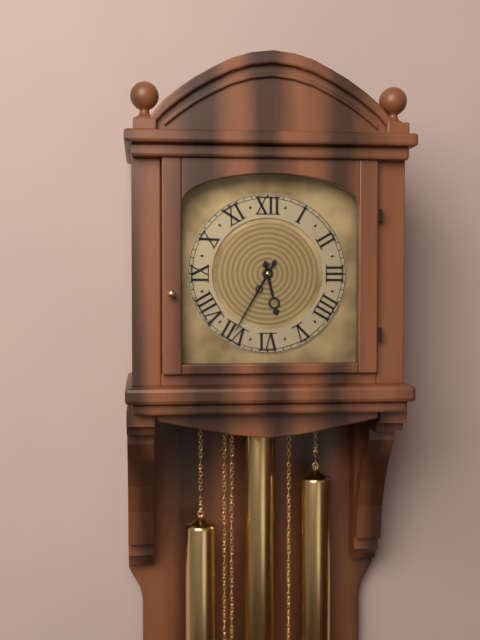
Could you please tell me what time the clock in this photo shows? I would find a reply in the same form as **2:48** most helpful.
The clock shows **5:35**
